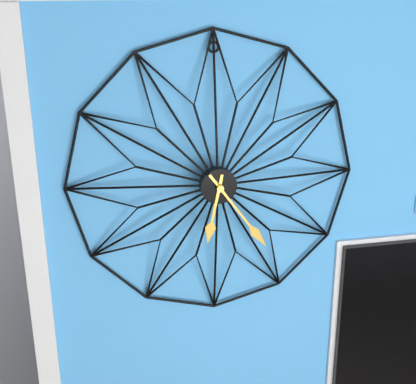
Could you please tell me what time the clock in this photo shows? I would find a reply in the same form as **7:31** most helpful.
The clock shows **6:24**
